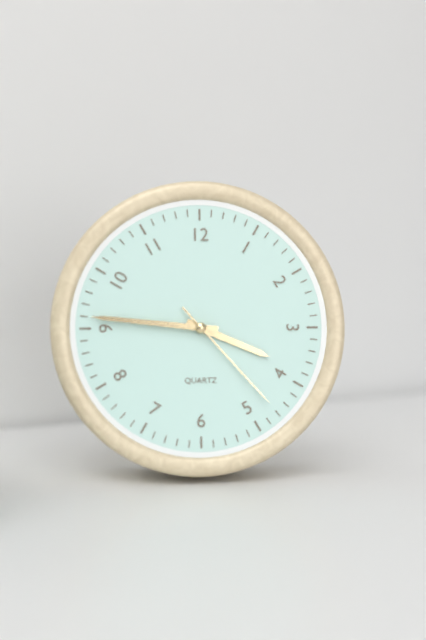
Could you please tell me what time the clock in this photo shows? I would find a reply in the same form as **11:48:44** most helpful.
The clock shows **3:46:23**
